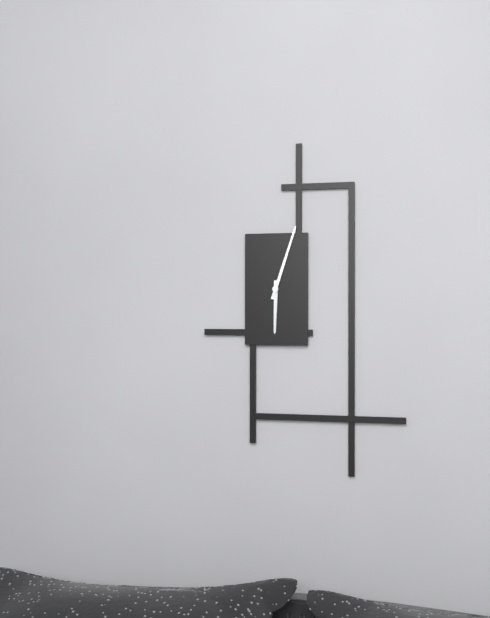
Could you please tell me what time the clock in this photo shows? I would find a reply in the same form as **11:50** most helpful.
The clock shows **6:03**
